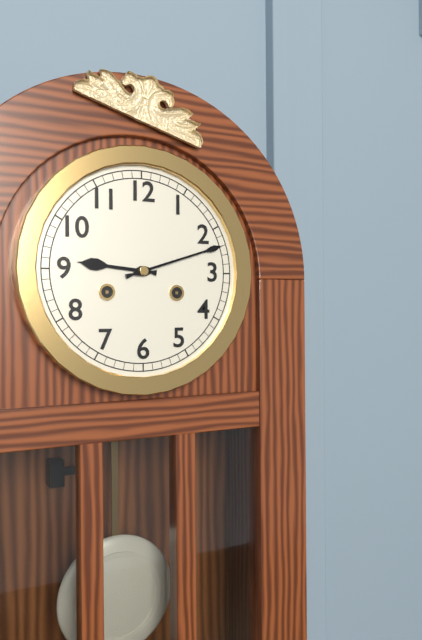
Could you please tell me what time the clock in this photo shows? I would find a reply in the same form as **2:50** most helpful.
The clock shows **9:12**
